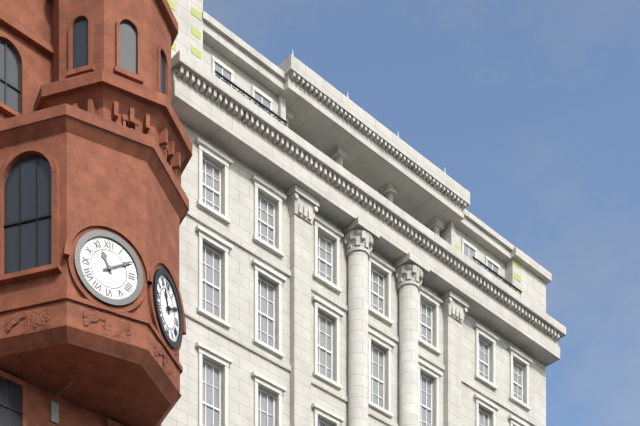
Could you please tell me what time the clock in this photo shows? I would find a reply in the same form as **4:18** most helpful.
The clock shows **11:10**
